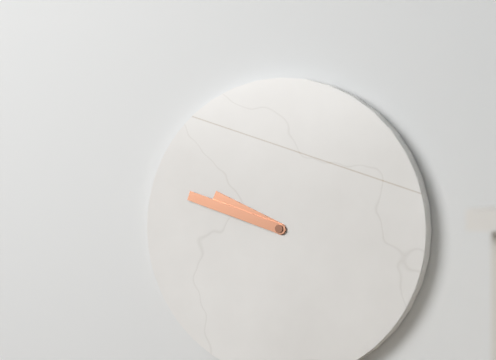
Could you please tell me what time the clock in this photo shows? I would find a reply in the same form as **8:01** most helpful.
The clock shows **9:48**
